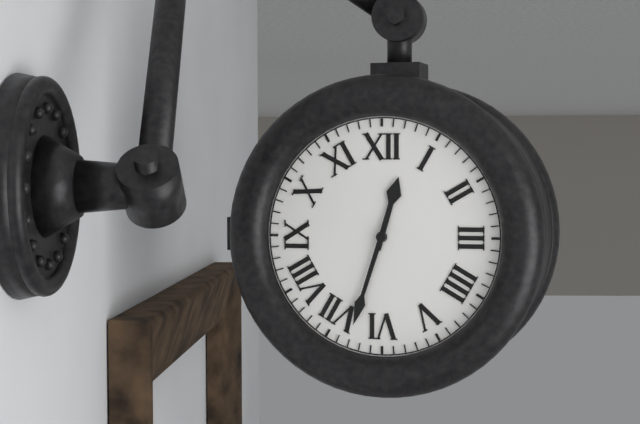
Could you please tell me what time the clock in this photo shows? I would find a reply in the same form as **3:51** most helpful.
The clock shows **12:33**
